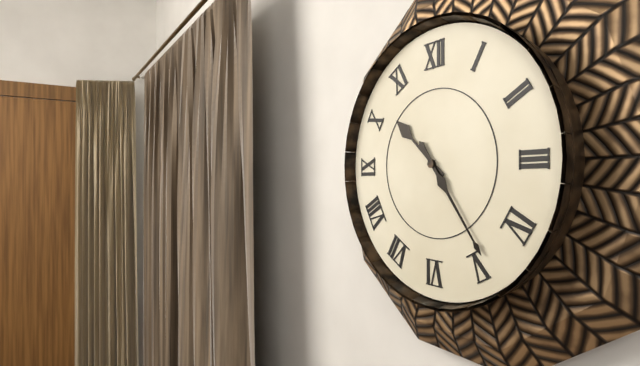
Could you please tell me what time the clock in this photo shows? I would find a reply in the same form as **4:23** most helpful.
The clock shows **10:24**
